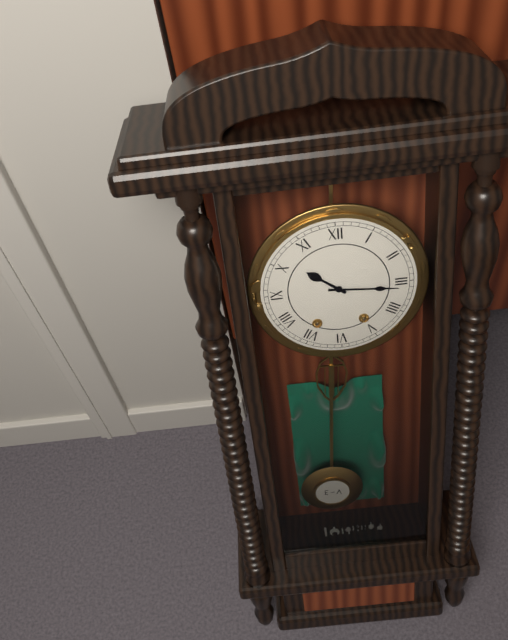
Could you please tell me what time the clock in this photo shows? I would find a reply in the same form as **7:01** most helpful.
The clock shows **10:16**
